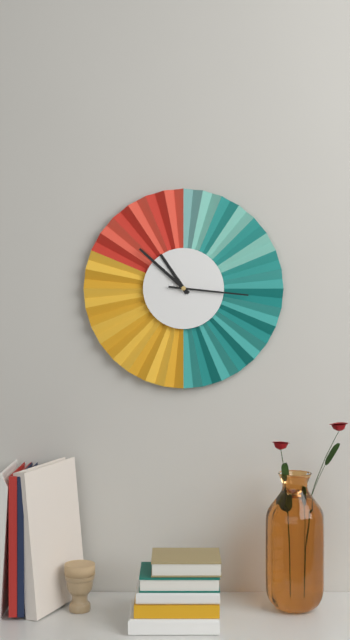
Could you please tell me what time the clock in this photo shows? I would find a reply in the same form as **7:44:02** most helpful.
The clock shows **10:52:16**
